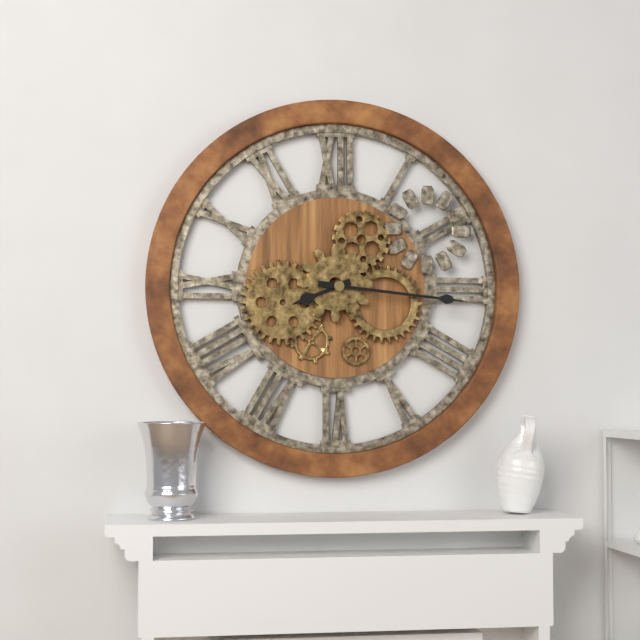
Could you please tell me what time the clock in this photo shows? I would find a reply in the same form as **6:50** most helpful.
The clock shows **8:16**
